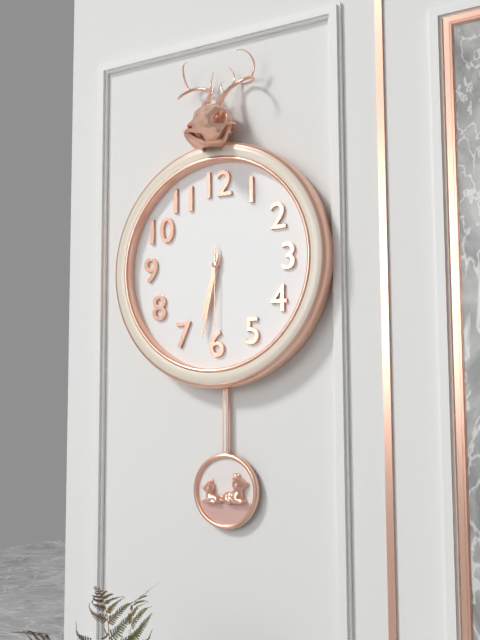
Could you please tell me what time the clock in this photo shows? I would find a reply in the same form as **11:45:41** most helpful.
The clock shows **6:32:30**
